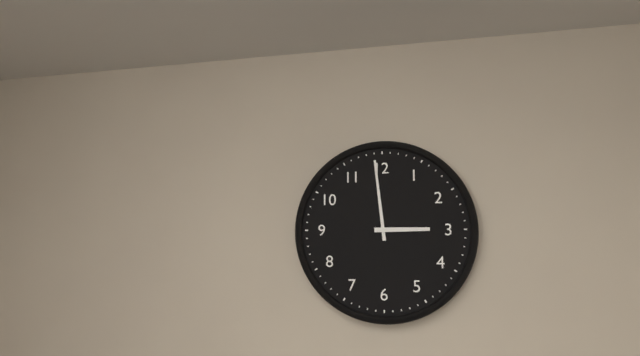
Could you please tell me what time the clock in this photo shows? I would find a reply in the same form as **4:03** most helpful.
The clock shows **2:59**
